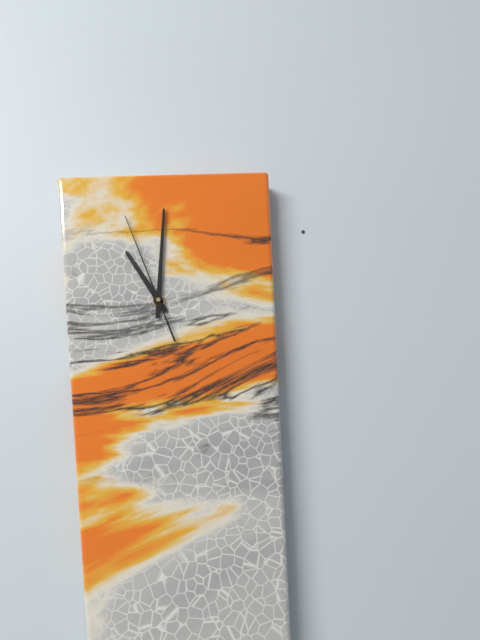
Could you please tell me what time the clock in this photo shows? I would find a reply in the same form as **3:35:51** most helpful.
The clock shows **11:01:57**
